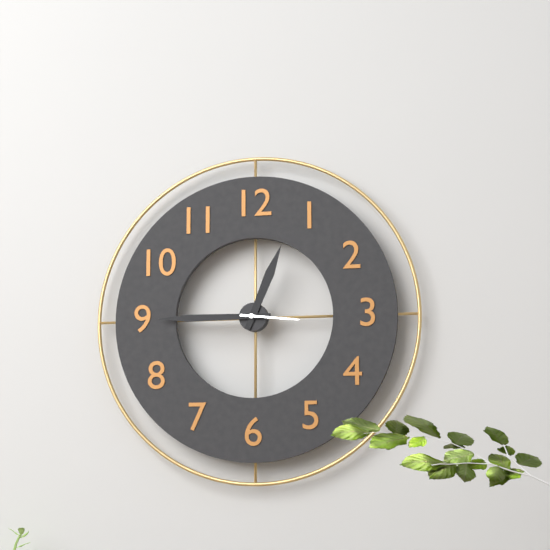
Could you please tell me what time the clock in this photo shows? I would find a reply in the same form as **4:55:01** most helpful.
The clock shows **12:45:16**
